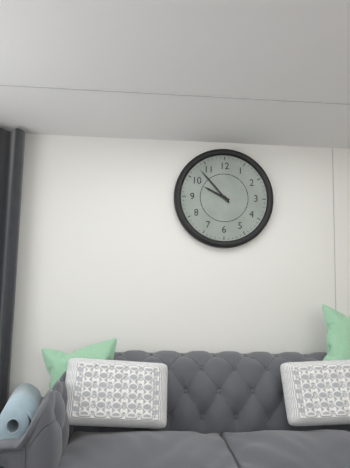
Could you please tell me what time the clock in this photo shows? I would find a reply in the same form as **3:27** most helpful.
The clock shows **9:53**
